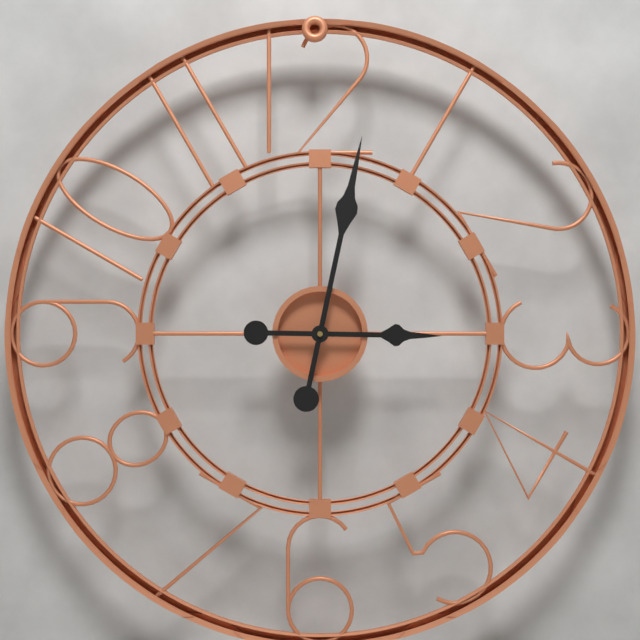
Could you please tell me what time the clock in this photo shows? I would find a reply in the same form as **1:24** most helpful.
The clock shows **3:02**
